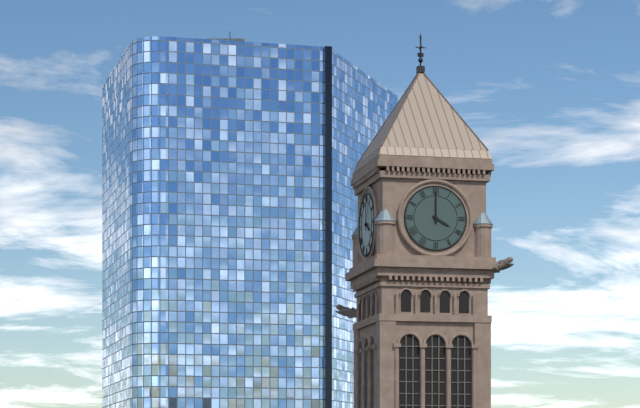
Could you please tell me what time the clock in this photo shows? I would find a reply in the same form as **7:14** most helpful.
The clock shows **4:00**
